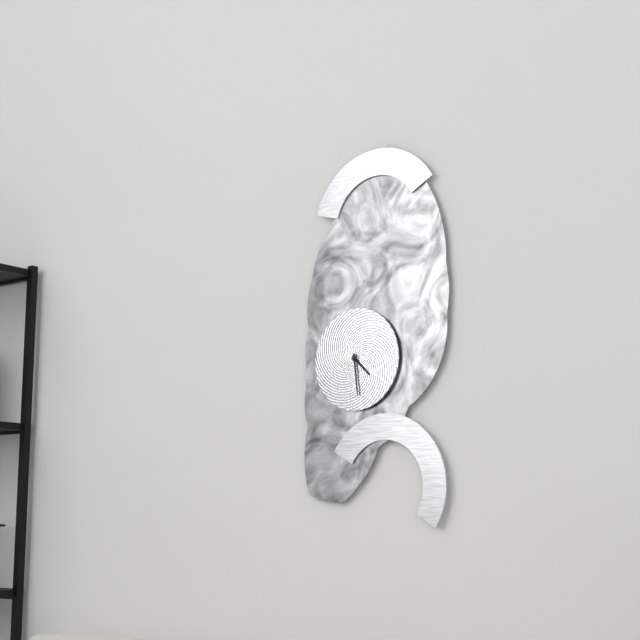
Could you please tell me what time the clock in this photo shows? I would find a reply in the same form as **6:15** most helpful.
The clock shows **4:29**
